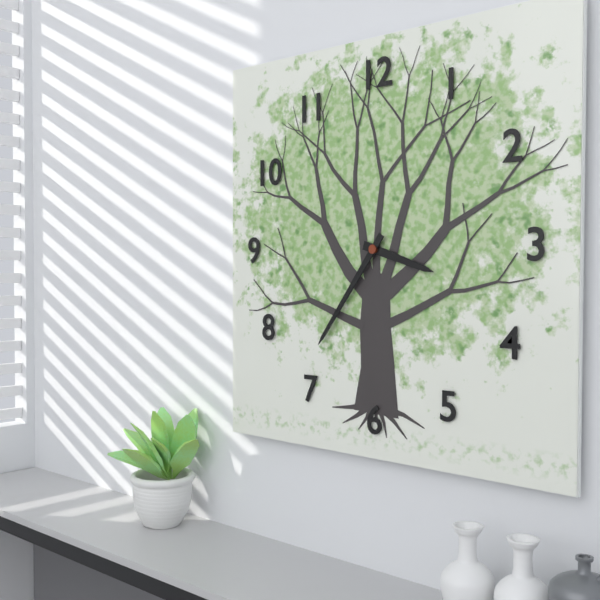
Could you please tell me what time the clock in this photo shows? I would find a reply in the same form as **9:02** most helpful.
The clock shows **3:36**
